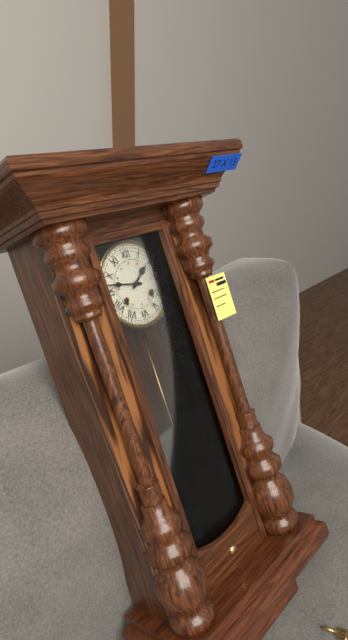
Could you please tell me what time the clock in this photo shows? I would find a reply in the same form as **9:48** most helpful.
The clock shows **1:47**
